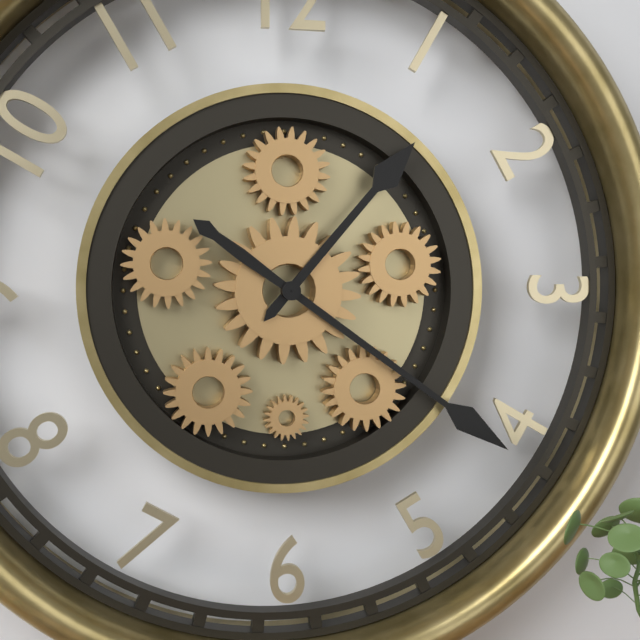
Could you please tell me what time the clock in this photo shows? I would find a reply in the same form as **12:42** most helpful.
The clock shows **1:21**
